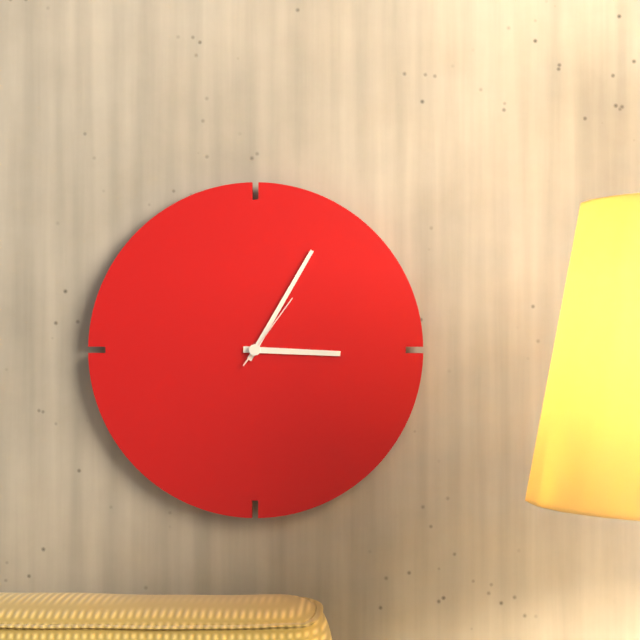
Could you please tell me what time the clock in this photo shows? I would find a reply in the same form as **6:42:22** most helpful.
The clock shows **3:05:06**
